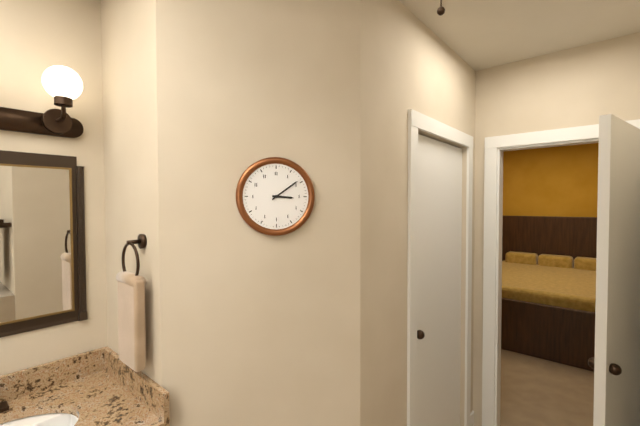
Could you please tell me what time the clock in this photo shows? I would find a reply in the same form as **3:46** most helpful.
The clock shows **3:09**
